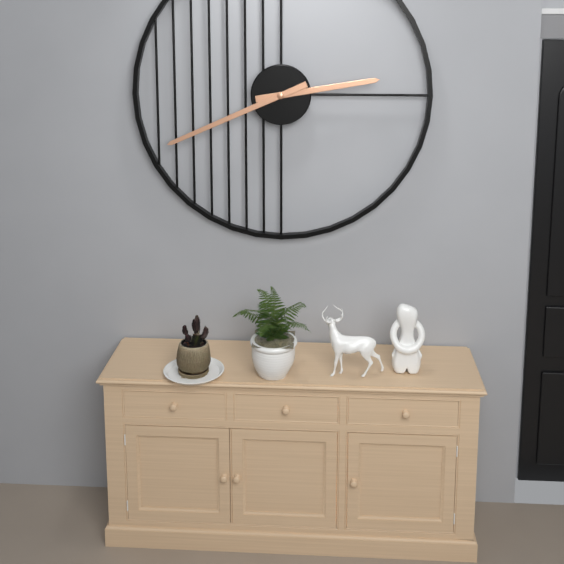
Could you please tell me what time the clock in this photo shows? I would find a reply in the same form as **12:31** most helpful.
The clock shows **2:41**
